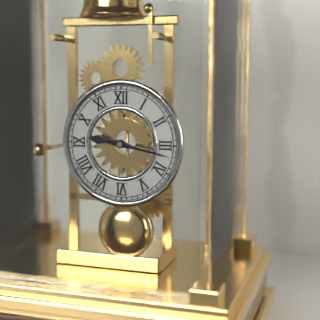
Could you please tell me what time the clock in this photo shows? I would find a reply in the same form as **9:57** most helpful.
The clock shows **9:17**
